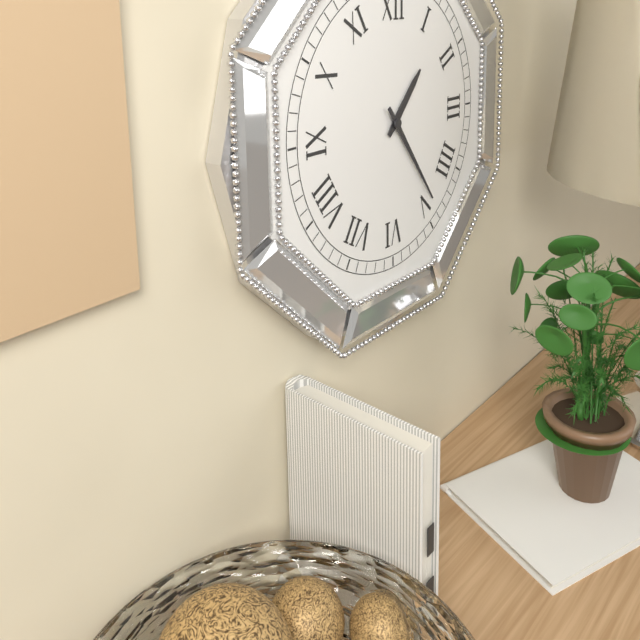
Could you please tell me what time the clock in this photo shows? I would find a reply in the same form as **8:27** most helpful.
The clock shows **1:24**
